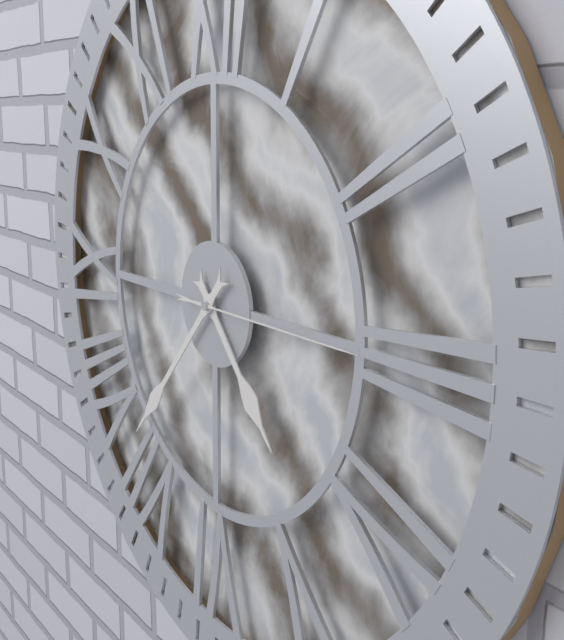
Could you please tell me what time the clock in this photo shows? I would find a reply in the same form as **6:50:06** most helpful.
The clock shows **4:37:15**
